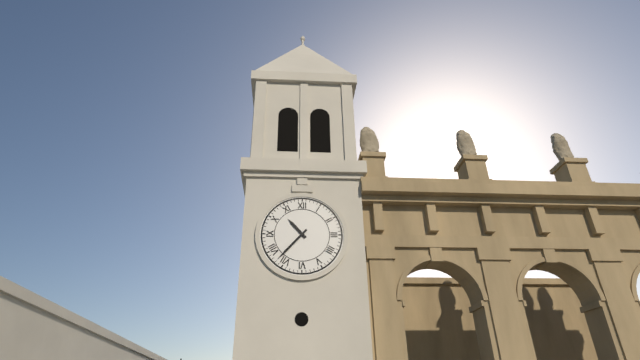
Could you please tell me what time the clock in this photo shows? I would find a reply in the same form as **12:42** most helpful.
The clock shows **10:37**
